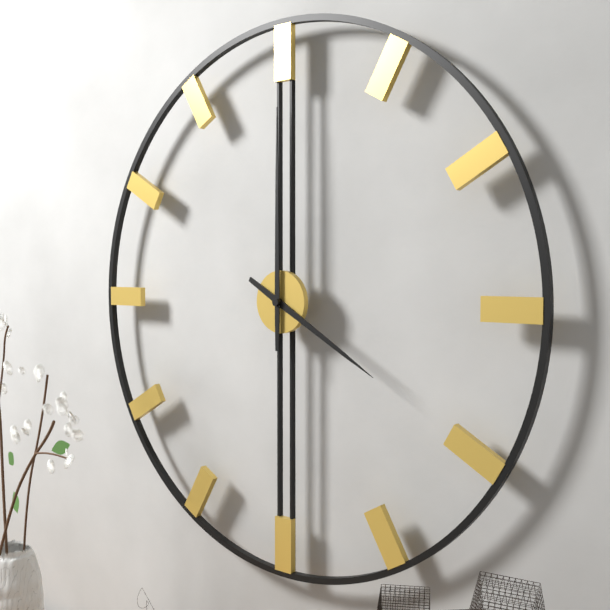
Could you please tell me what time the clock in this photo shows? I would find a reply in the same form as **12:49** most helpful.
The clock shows **4:00**
